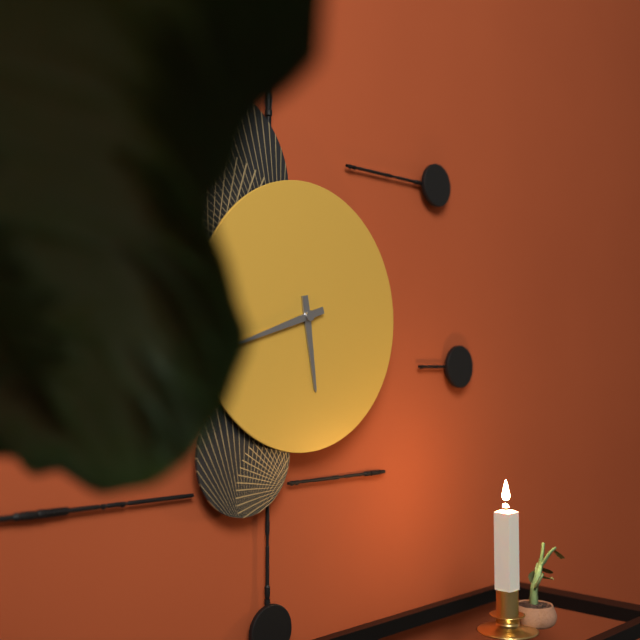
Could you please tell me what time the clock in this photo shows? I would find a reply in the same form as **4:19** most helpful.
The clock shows **5:42**
